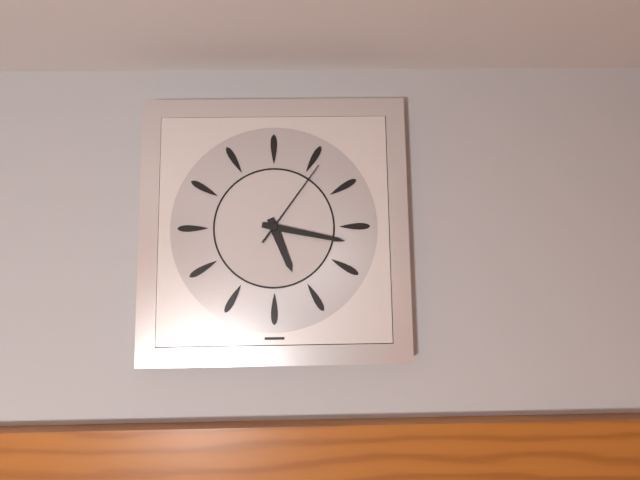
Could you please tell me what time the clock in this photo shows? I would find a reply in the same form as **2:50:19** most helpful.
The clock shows **5:17:06**
